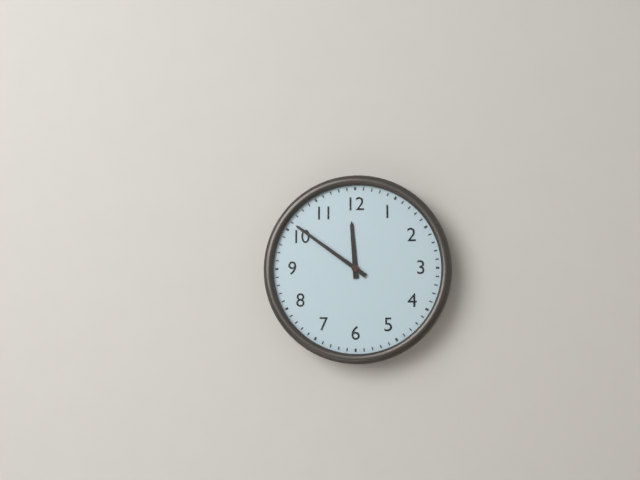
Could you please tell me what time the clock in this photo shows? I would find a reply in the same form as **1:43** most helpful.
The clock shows **11:51**
